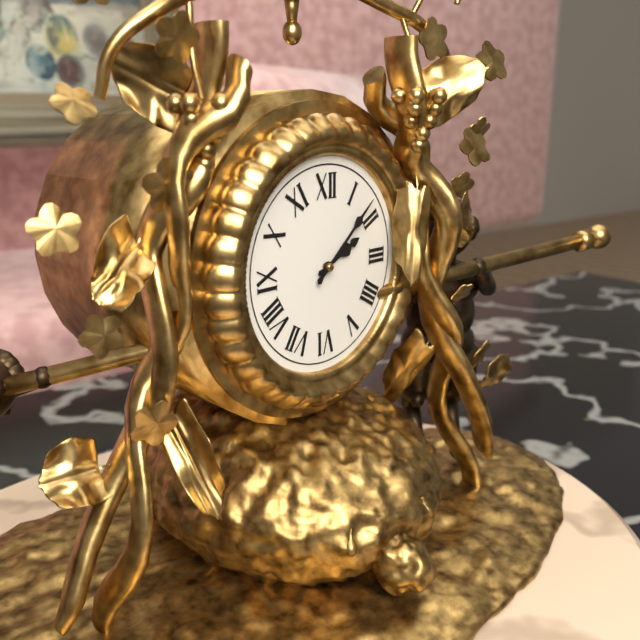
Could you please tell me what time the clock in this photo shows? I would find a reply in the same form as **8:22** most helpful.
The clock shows **2:08**
